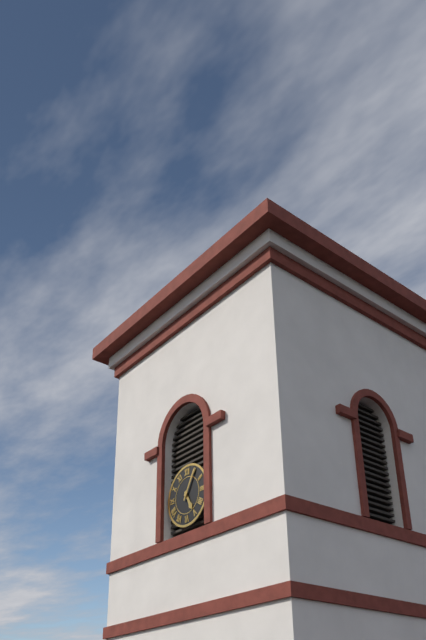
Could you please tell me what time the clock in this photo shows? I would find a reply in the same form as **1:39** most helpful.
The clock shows **5:05**
